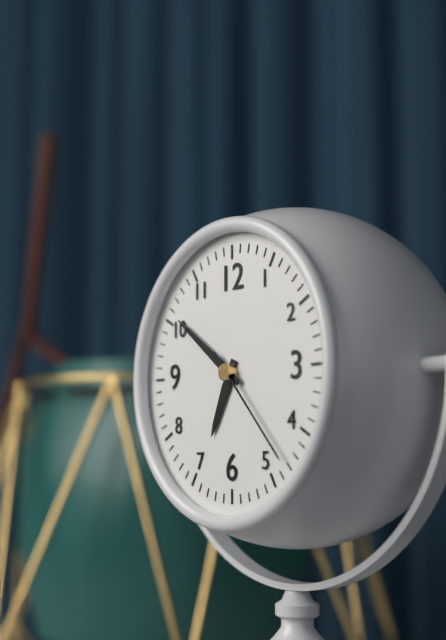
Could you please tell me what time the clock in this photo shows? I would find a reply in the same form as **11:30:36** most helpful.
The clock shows **6:51:23**
